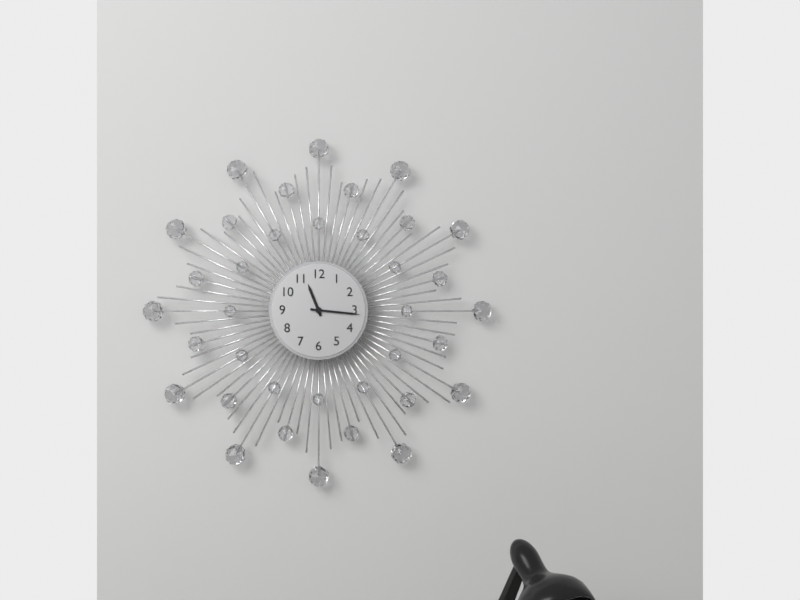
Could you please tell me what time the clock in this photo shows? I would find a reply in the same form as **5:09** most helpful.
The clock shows **11:16**
